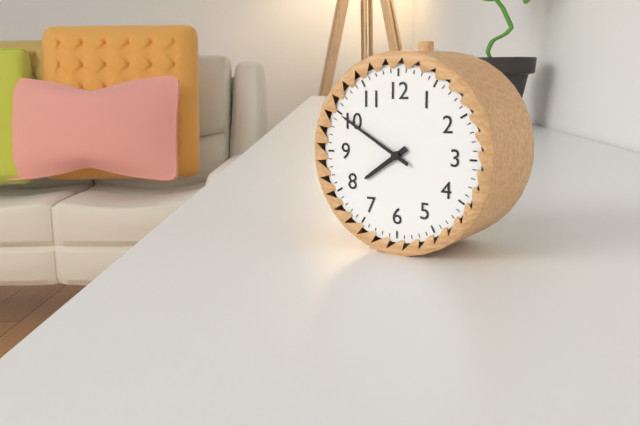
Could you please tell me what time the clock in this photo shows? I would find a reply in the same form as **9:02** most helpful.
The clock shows **7:50**
